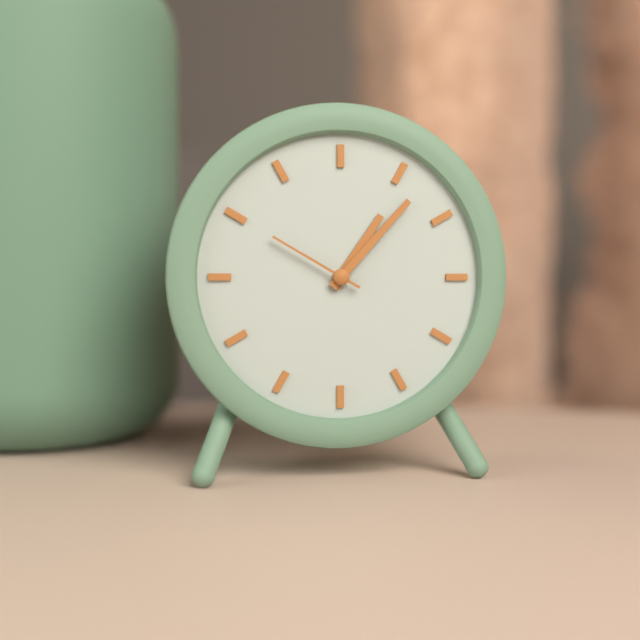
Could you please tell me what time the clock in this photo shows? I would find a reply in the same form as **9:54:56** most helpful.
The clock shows **1:07:50**
